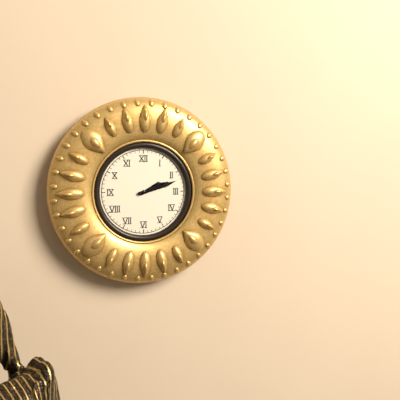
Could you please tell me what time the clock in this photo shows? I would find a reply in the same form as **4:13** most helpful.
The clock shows **2:12**
